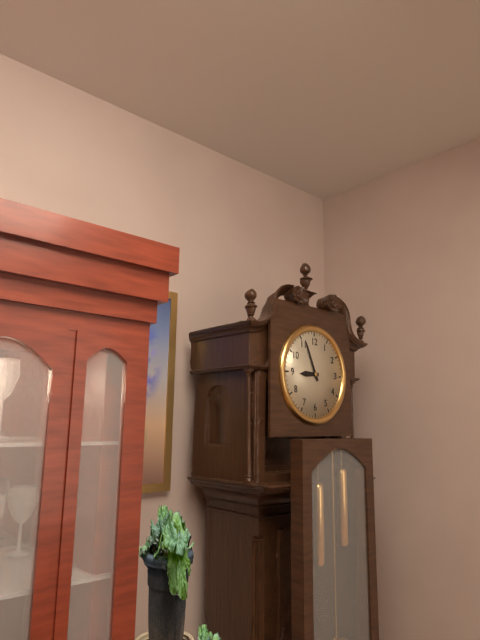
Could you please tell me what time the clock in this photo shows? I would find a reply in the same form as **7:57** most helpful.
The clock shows **8:56**
